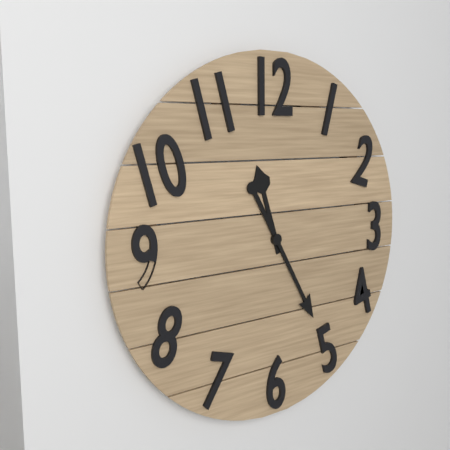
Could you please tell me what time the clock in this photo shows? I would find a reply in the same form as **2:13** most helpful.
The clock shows **11:25**
